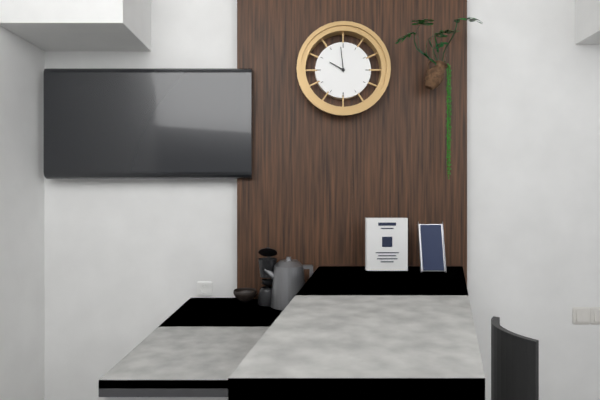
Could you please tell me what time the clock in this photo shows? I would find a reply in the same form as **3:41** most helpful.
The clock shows **9:59**
